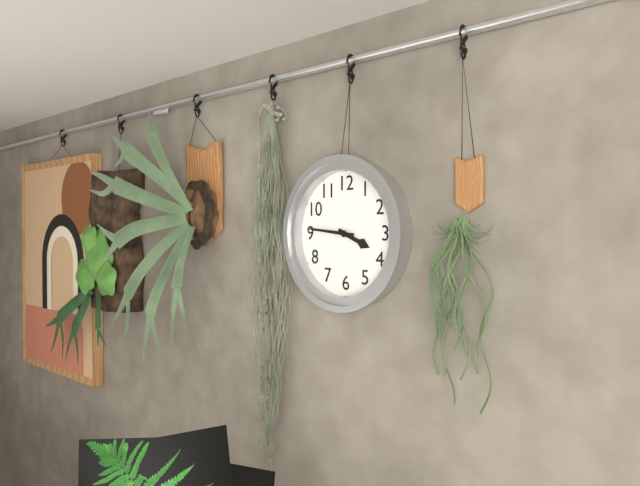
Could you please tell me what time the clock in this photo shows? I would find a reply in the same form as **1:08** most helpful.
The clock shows **3:46**
